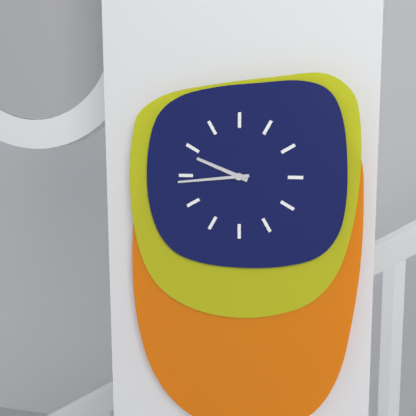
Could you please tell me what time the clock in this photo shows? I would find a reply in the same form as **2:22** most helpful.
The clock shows **9:44**
